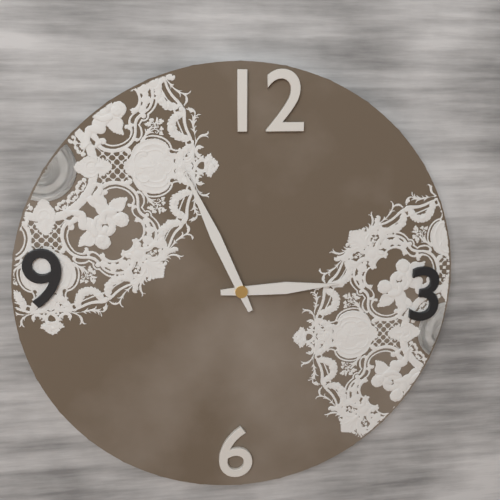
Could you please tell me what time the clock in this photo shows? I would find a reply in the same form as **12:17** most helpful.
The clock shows **2:56**
